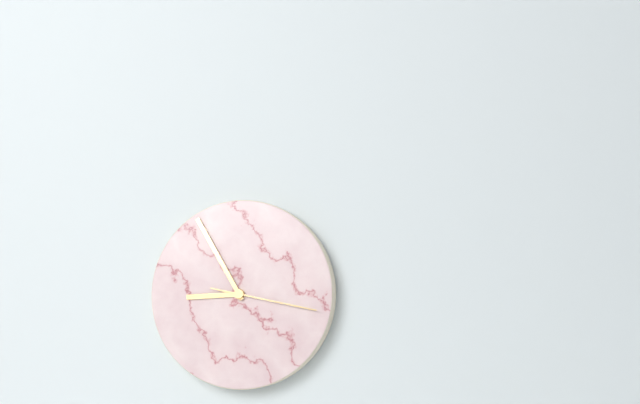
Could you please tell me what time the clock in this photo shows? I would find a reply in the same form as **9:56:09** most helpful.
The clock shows **8:55:17**
